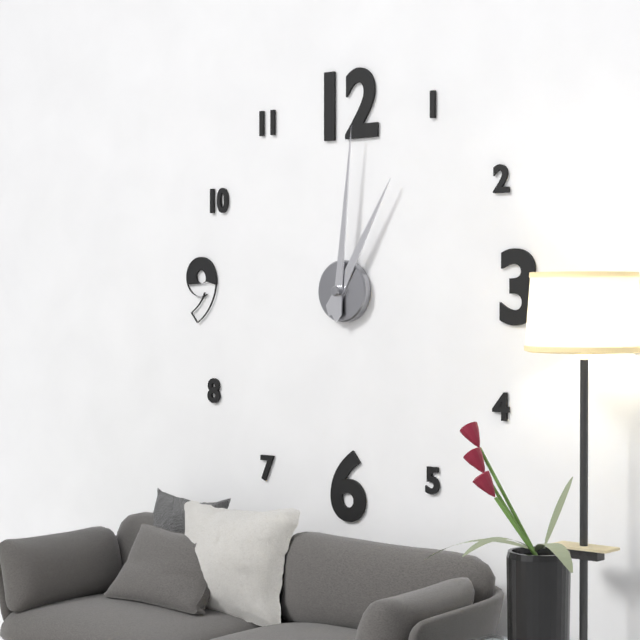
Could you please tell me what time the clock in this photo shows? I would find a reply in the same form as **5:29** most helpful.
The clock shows **1:01**
